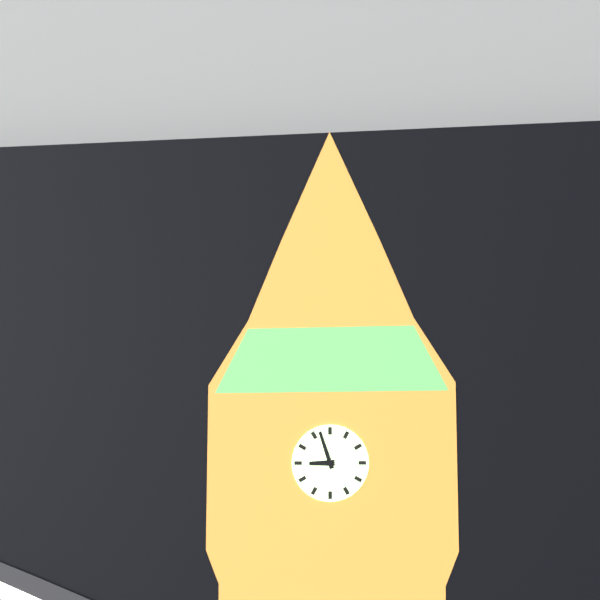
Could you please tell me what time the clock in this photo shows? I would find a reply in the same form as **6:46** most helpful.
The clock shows **8:57**
